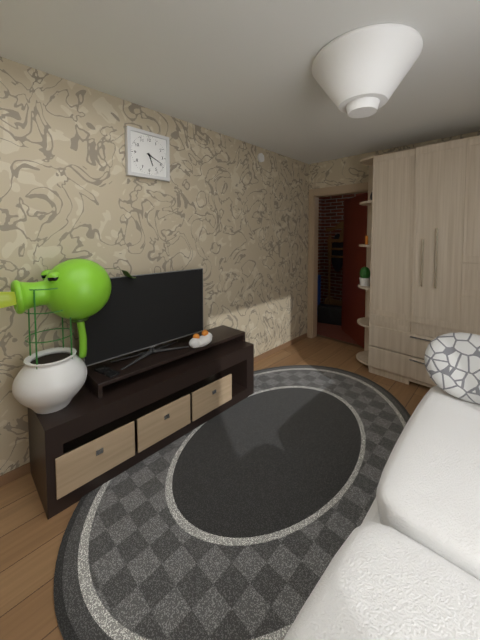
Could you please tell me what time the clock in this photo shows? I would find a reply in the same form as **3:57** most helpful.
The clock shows **5:19**
